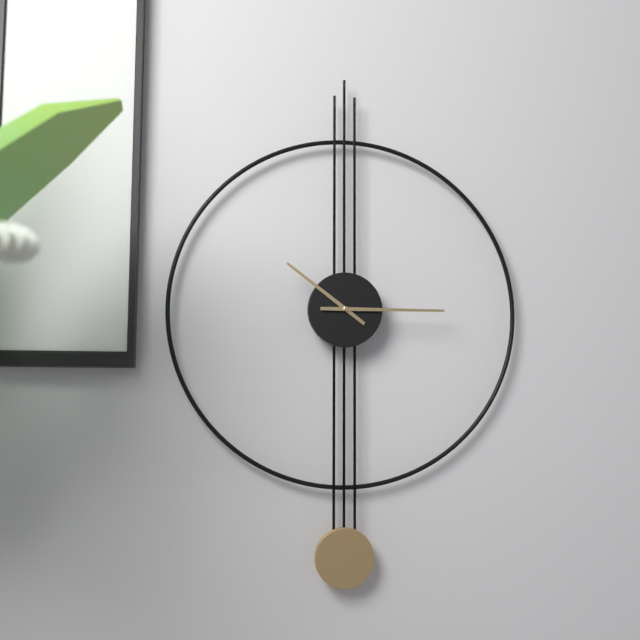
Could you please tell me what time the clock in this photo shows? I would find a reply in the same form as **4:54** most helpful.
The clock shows **10:15**
